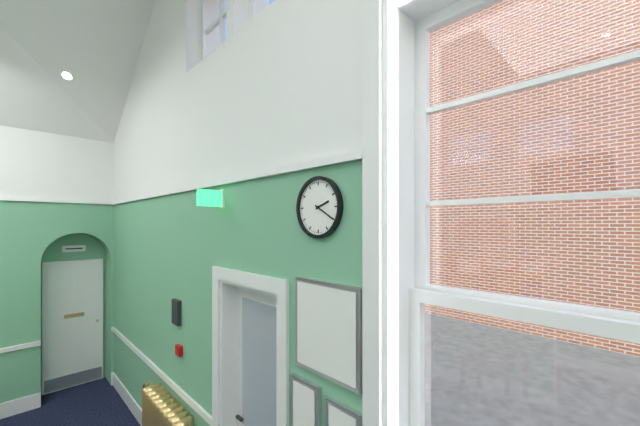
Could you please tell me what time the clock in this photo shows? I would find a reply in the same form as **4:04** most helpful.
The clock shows **2:20**
